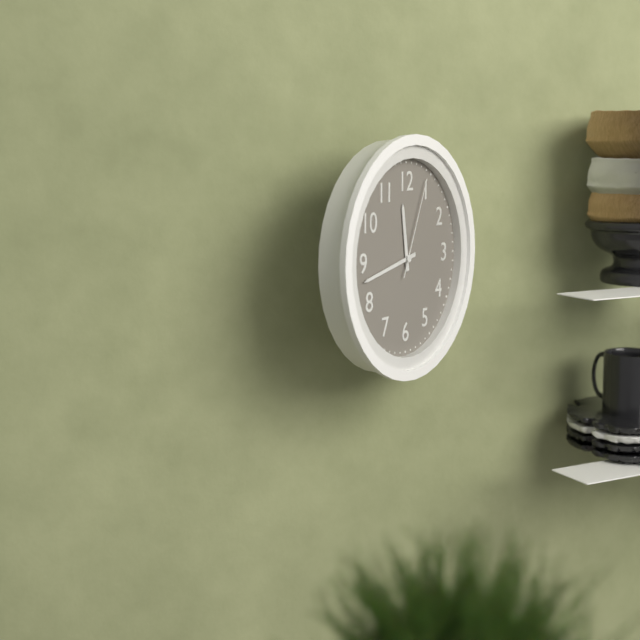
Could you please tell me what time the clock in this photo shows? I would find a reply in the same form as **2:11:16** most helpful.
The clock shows **11:43:04**
